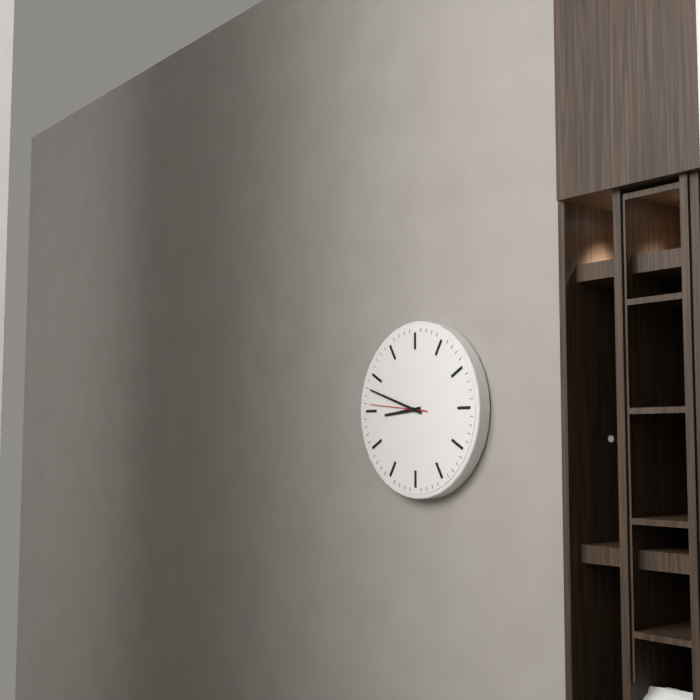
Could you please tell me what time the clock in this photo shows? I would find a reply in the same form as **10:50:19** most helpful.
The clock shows **8:48:46**
